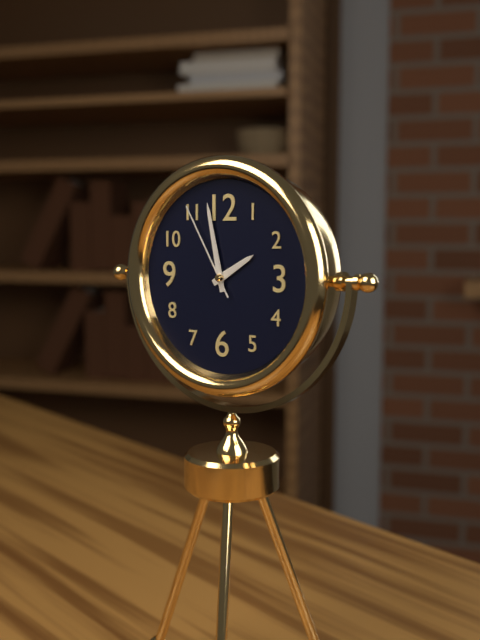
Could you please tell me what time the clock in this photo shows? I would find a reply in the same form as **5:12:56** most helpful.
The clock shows **1:58:55**
